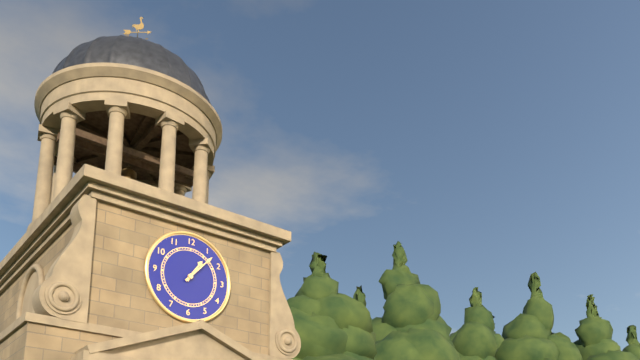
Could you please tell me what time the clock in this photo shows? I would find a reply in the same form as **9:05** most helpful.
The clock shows **1:07**
